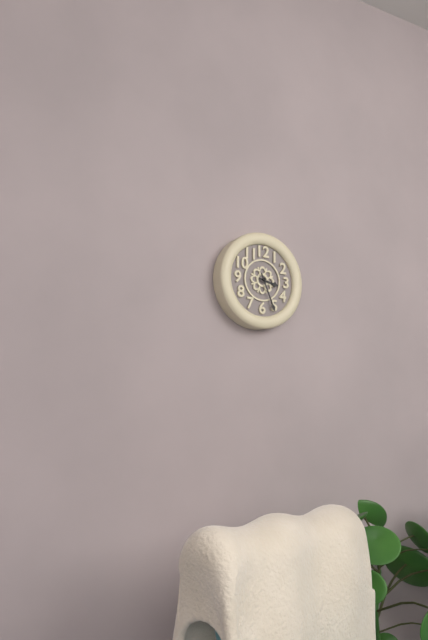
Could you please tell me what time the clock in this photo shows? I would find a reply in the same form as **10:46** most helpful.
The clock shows **3:26**
